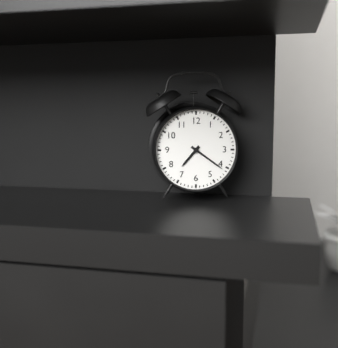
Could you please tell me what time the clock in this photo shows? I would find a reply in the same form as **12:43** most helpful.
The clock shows **7:21**
